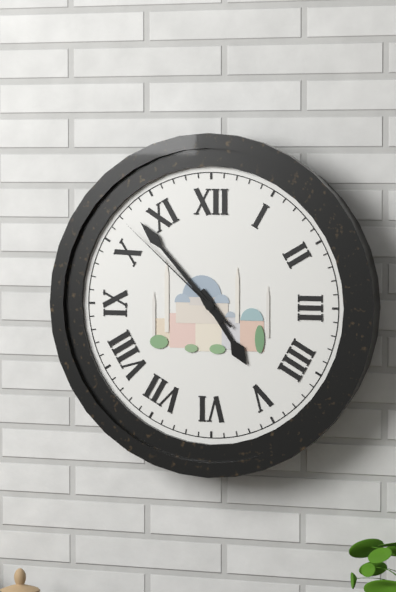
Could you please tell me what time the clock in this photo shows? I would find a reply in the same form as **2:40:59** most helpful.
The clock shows **4:53:52**
